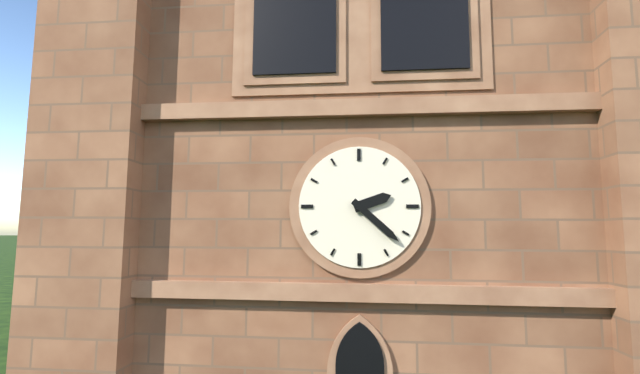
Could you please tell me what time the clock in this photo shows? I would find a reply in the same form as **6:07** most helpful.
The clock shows **2:22**
